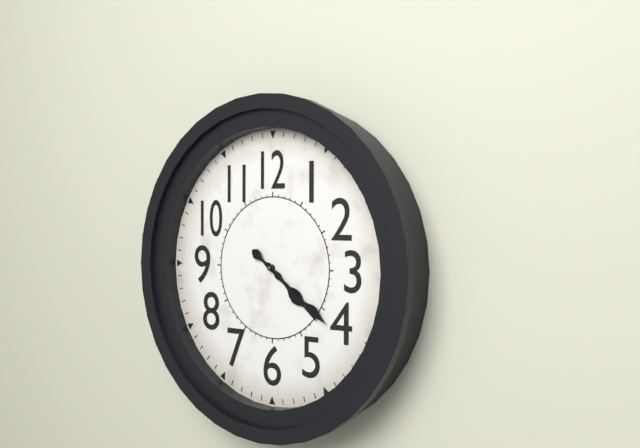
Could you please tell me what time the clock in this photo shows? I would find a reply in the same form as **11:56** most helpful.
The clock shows **4:21**
